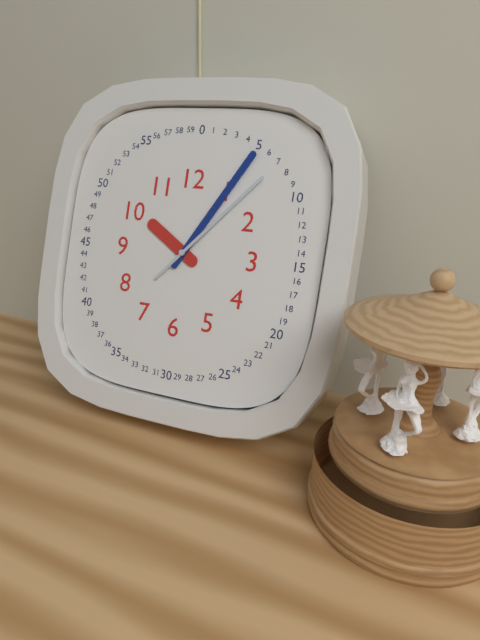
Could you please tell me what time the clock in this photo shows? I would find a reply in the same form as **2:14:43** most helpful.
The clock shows **10:05:07**
